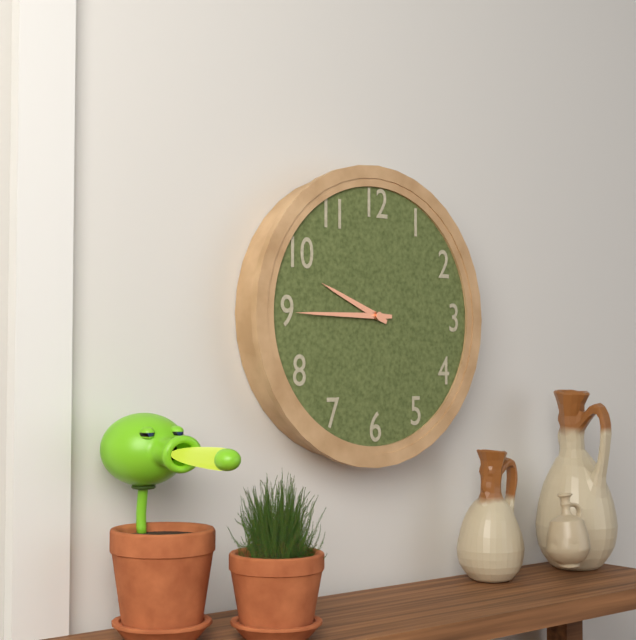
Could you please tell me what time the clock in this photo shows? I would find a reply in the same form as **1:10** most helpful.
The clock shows **9:45**
